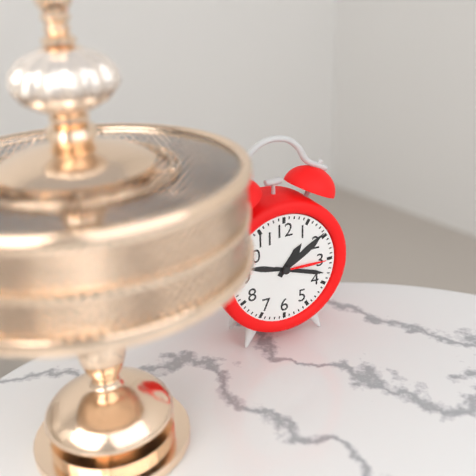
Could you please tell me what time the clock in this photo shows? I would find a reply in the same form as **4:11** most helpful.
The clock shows **1:18**
